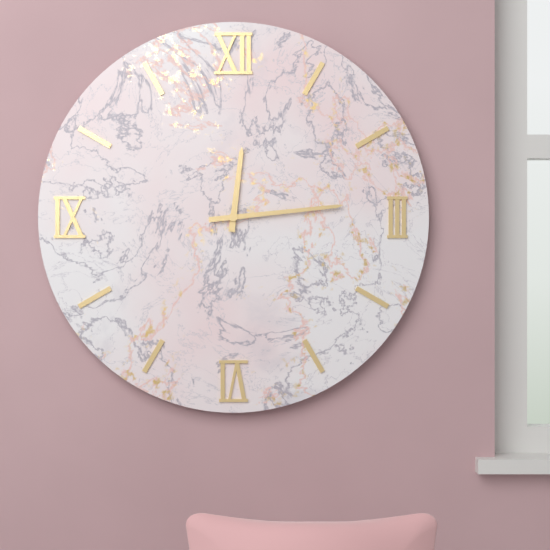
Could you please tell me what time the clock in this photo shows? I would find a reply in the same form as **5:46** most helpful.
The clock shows **12:14**
